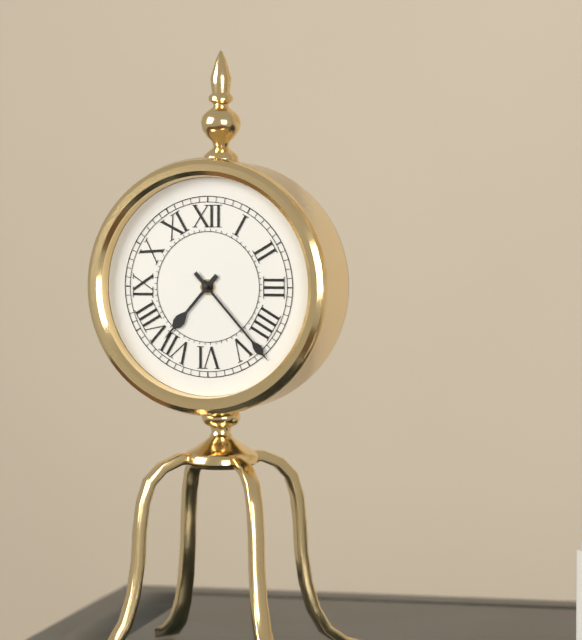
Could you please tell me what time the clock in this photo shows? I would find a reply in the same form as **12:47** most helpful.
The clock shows **7:23**
